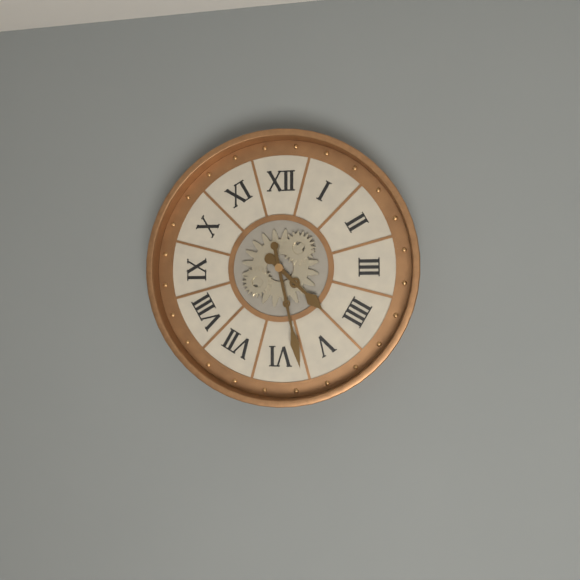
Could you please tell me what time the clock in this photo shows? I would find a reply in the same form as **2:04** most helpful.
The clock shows **4:28**
